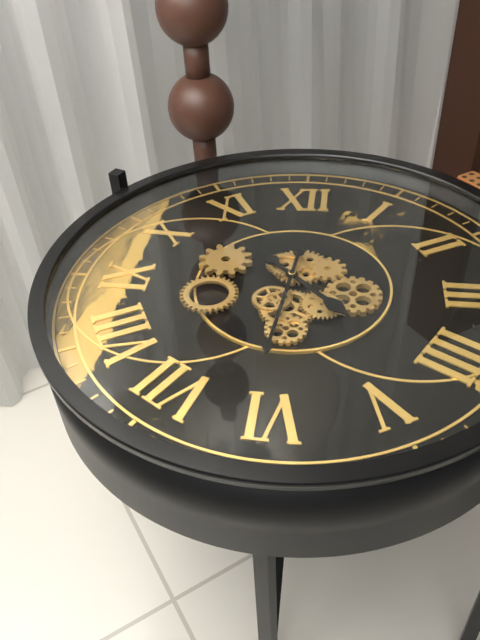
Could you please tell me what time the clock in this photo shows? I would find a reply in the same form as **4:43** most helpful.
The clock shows **4:31**
